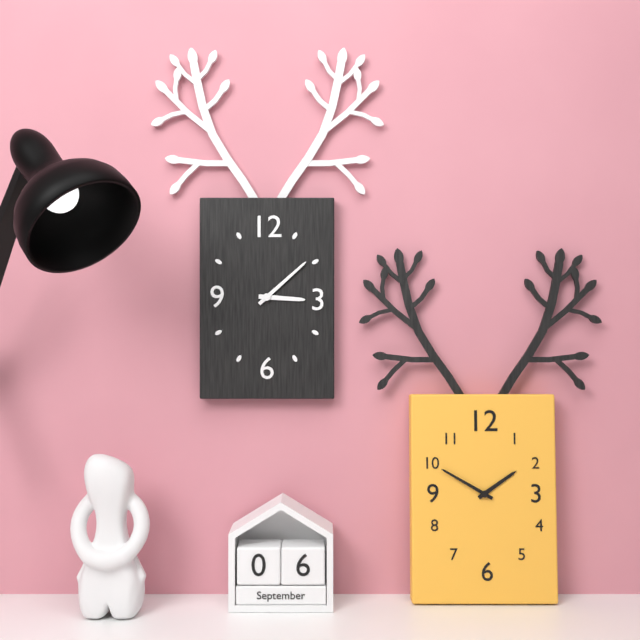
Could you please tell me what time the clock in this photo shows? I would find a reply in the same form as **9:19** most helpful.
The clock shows **3:08**
